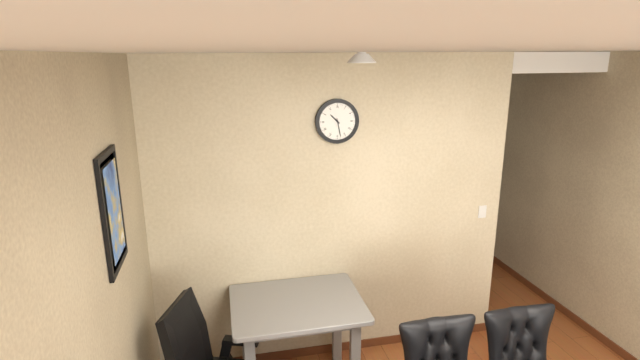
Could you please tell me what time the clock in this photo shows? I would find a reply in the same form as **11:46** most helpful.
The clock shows **10:28**
